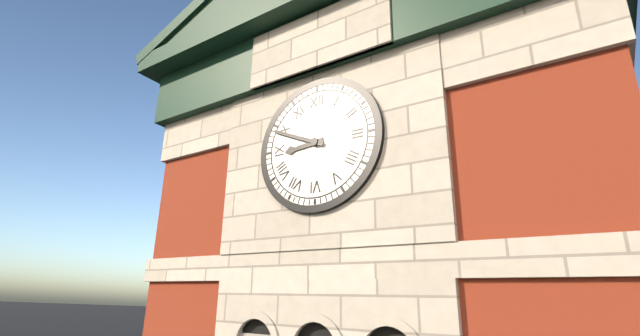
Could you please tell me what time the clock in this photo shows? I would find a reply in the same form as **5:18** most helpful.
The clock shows **8:49**
